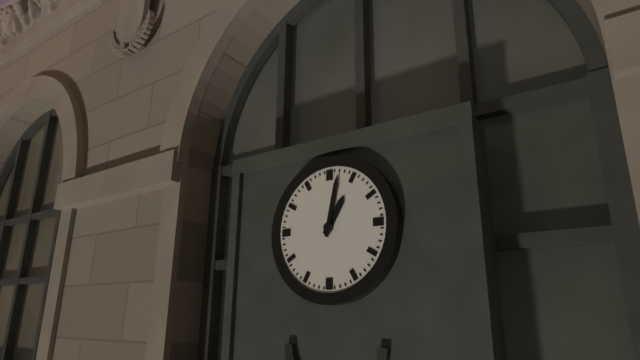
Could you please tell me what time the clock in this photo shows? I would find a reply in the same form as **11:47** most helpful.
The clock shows **1:02**
